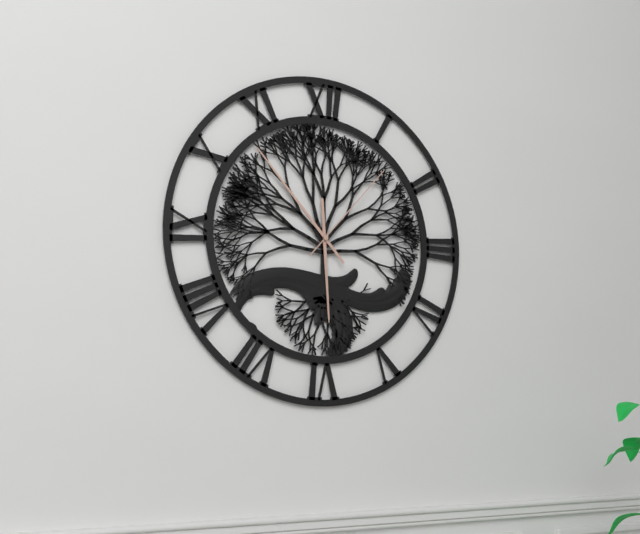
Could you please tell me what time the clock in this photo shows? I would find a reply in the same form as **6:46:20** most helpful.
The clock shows **5:53:07**
